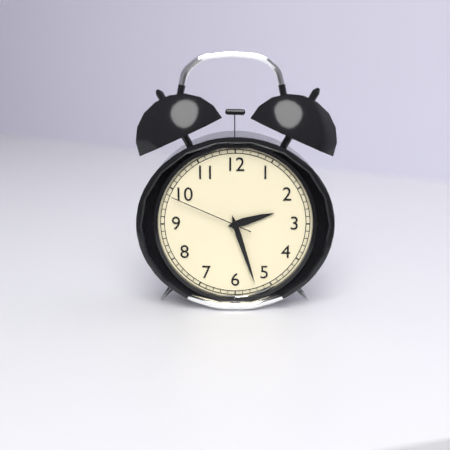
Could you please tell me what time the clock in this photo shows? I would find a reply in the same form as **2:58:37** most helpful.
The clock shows **2:27:49**
